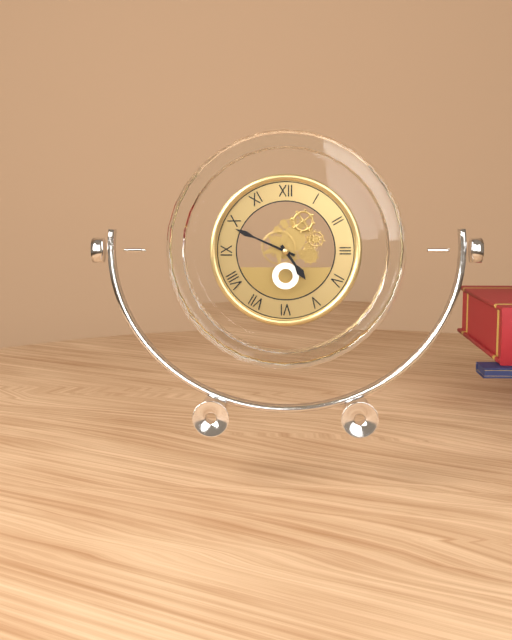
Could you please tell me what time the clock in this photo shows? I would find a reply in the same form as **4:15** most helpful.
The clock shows **4:49**
